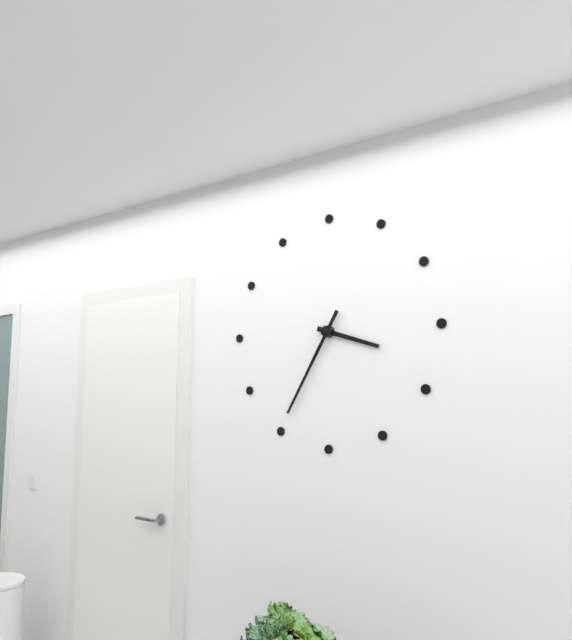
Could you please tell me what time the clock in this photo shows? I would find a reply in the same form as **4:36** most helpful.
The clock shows **3:35**
